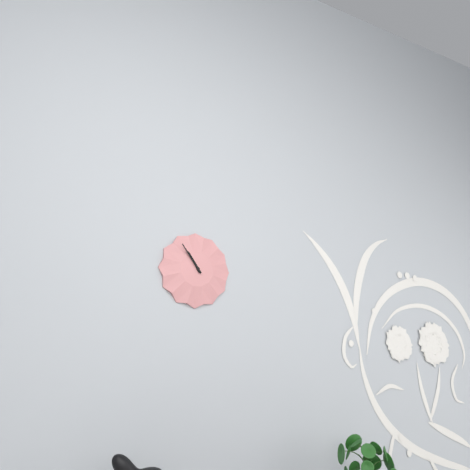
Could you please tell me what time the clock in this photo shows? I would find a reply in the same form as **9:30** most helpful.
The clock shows **10:54**
